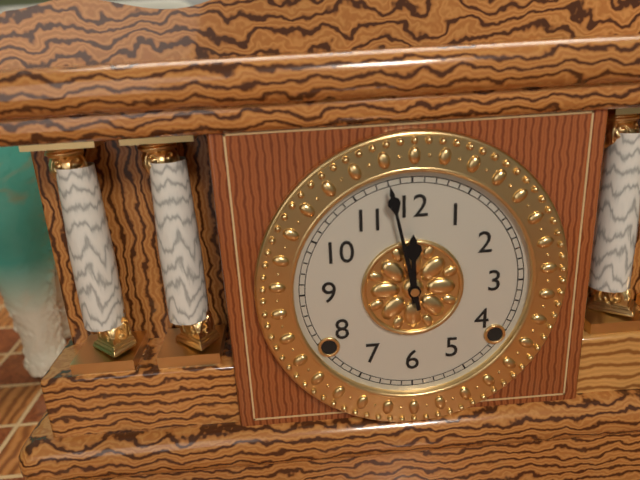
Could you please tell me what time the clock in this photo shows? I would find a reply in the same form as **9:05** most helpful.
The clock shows **11:58**
